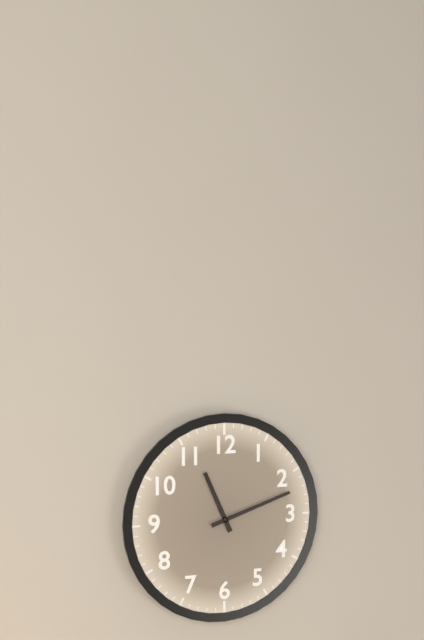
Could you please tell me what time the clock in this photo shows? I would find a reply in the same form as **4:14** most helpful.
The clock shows **11:12**
